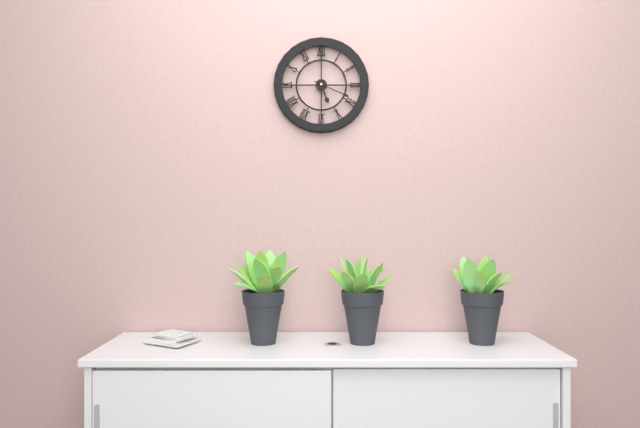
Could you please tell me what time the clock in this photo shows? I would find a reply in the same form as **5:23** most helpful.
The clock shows **5:19**
